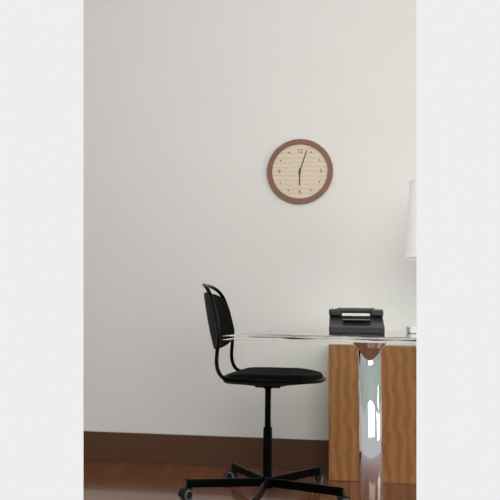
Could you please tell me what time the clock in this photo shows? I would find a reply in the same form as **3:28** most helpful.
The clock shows **6:03**
